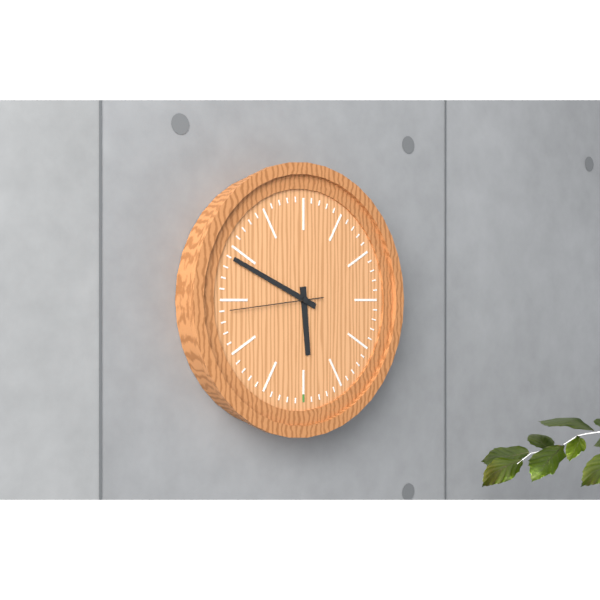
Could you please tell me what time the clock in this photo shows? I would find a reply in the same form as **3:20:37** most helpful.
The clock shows **5:49:44**
